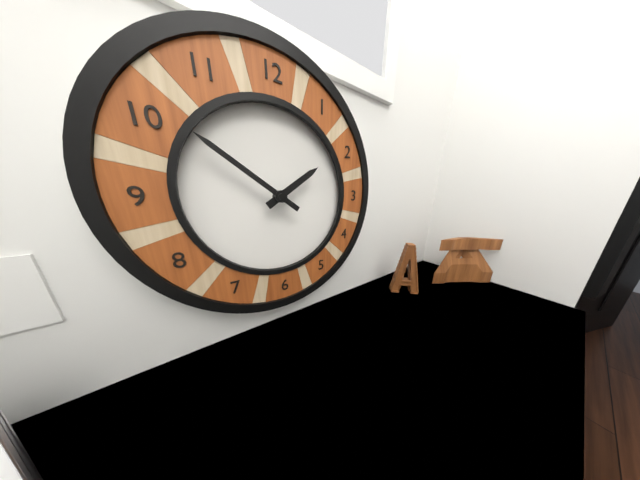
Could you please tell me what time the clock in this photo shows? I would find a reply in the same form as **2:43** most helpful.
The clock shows **1:51**
